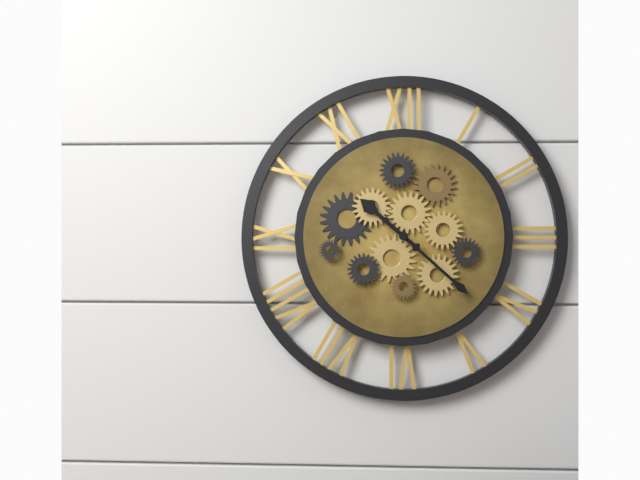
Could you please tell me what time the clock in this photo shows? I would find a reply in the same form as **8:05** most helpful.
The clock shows **10:22**
